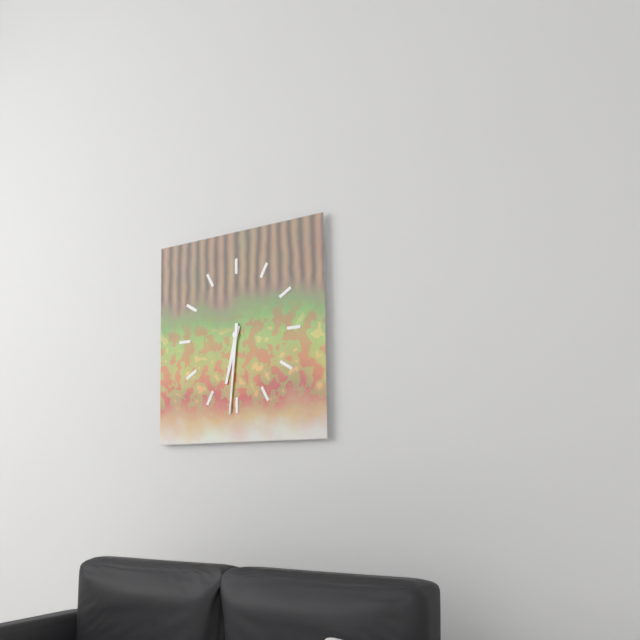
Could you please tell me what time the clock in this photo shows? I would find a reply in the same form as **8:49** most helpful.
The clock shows **6:31**
